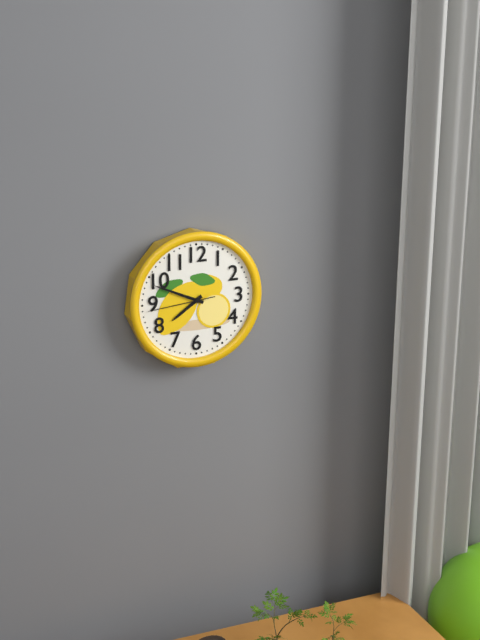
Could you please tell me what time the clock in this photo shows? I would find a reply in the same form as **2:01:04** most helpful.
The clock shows **7:49:44**
